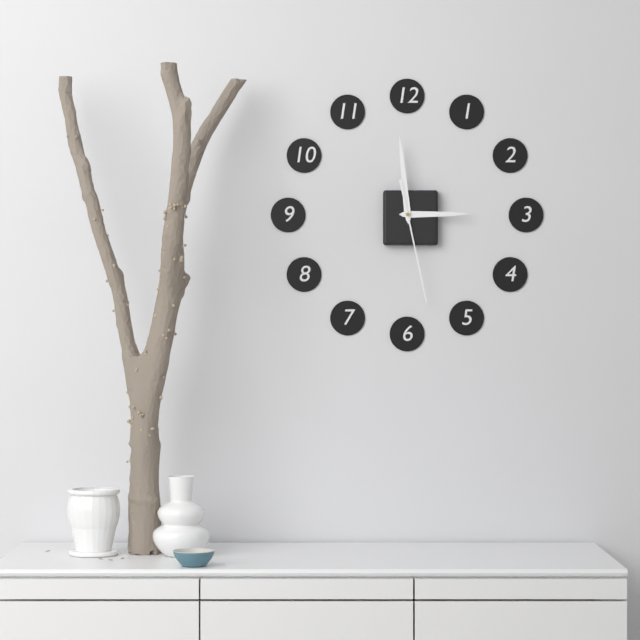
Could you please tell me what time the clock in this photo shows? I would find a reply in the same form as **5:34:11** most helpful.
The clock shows **2:59:28**
